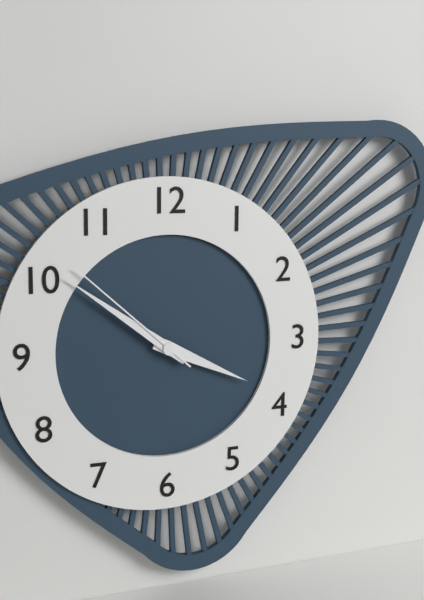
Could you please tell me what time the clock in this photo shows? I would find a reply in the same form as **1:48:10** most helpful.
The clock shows **3:51:52**
